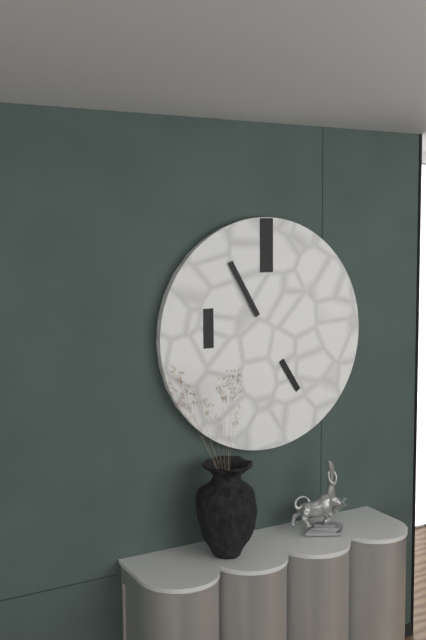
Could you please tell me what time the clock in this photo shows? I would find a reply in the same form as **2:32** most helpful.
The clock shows **4:55**
